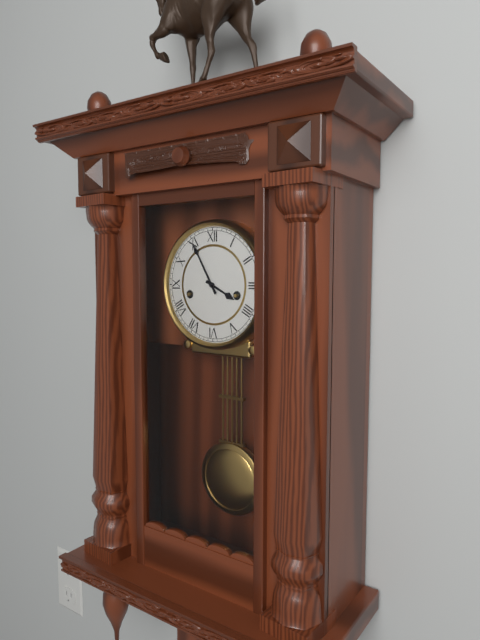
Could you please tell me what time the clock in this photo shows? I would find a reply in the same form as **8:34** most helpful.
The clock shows **3:55**
